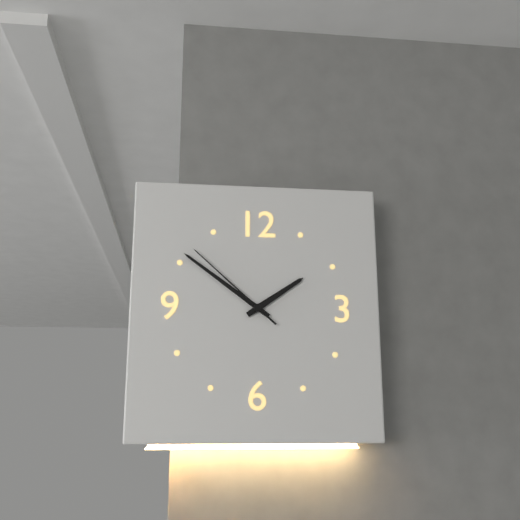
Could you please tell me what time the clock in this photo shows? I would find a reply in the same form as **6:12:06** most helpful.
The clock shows **1:51:52**
